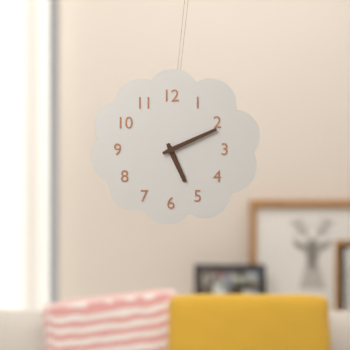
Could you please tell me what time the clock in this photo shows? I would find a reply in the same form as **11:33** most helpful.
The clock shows **5:11**
